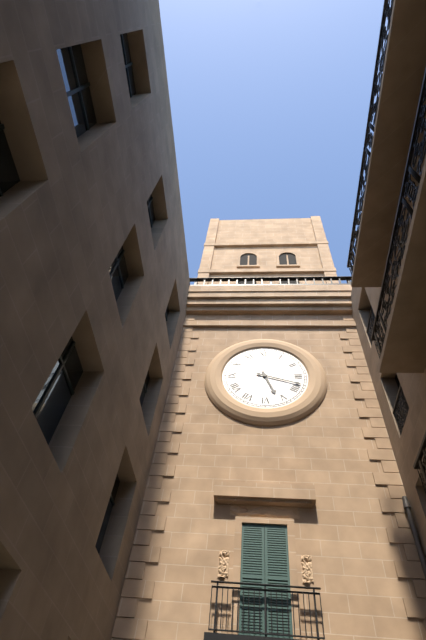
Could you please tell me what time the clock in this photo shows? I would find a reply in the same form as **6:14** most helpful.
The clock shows **5:18**
